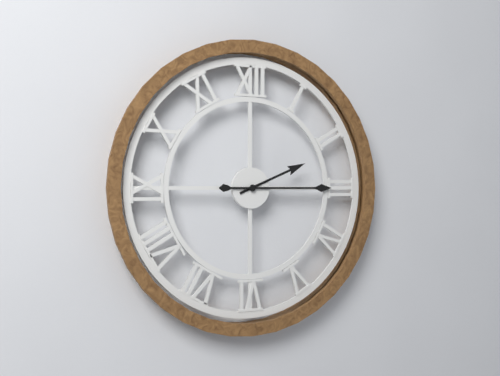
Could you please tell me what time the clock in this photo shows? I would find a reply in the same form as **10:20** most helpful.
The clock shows **2:15**
